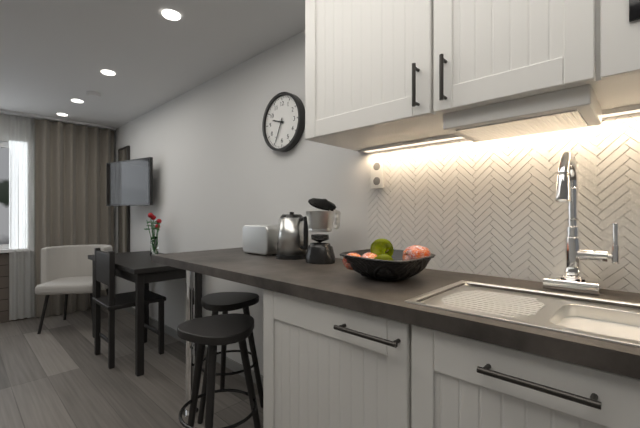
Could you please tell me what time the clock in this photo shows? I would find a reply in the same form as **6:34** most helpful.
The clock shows **9:34**
